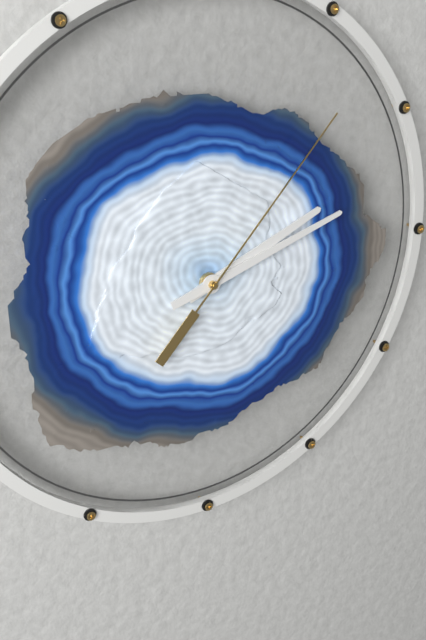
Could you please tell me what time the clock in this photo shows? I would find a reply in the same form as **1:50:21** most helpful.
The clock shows **2:12:07**
